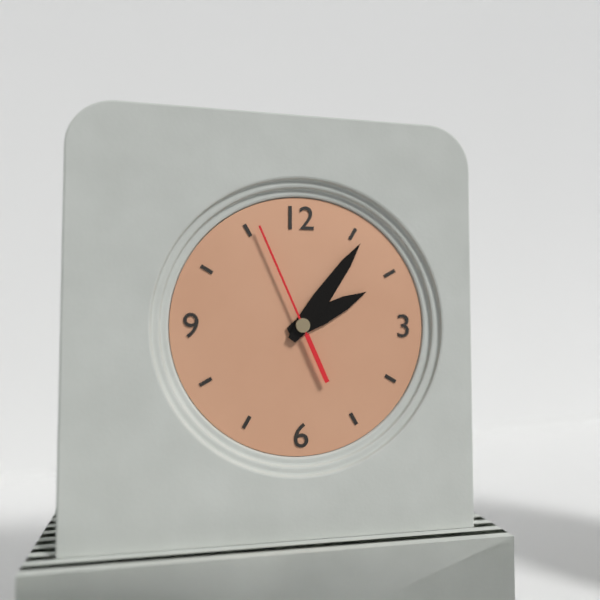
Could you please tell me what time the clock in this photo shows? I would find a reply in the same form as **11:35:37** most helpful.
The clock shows **2:06:56**
